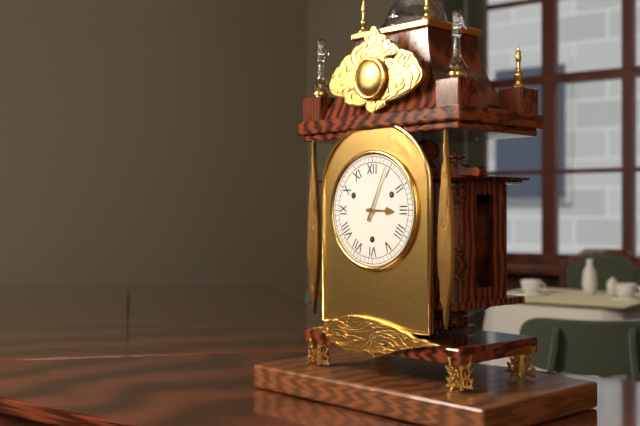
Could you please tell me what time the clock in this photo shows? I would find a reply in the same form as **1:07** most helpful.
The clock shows **3:04**
